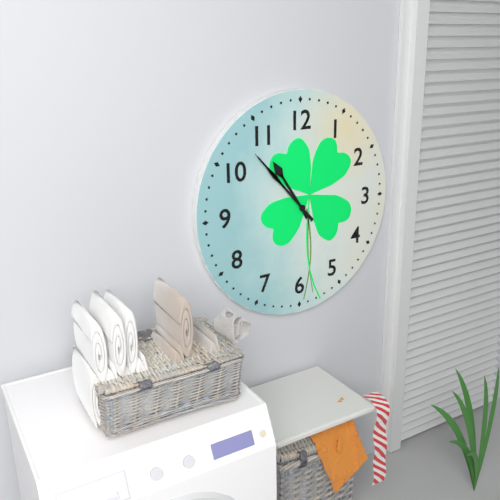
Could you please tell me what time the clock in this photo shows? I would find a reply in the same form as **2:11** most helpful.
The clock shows **10:53**
